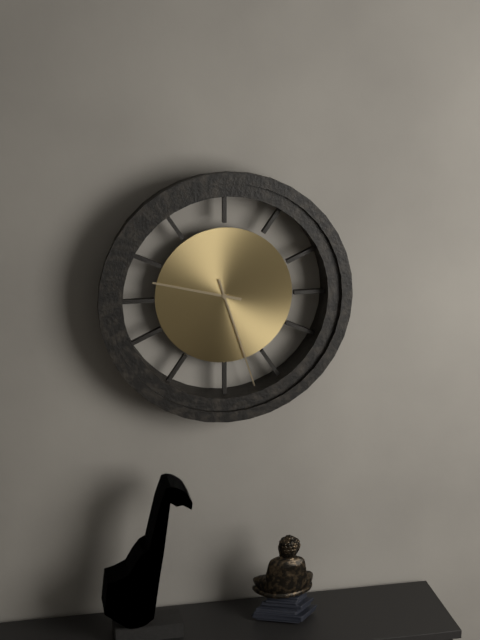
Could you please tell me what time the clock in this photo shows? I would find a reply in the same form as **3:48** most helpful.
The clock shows **9:27**
